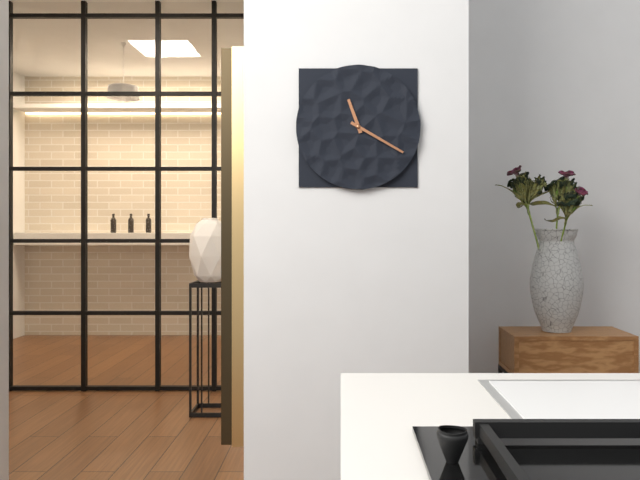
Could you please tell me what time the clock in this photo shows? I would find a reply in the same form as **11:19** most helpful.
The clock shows **11:20**
